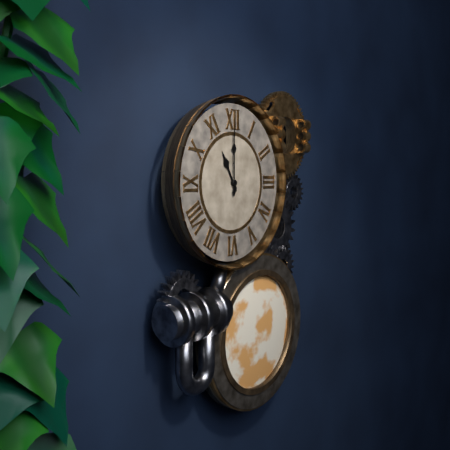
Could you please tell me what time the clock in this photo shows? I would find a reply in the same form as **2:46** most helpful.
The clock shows **11:00**
